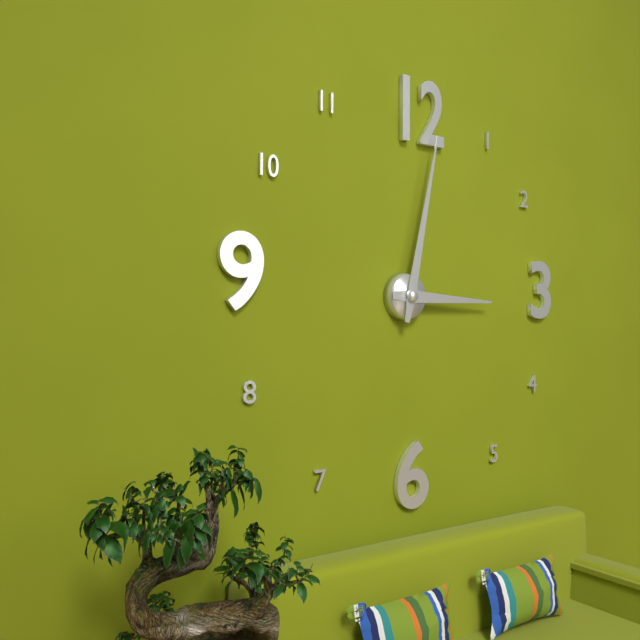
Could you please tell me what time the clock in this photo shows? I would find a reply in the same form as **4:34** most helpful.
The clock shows **3:02**
